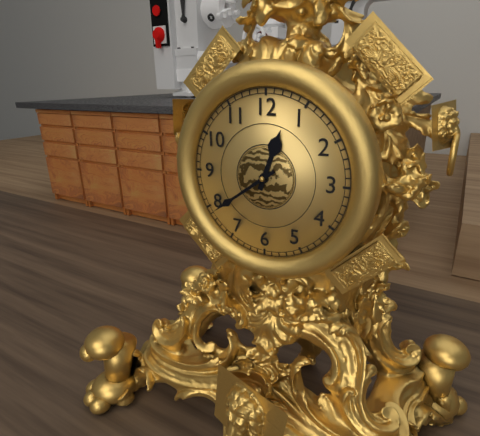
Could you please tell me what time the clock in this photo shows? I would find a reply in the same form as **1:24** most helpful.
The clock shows **12:39**
